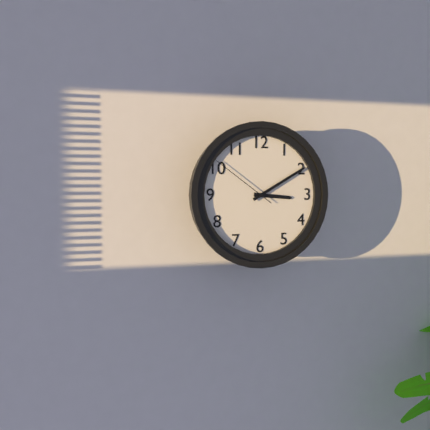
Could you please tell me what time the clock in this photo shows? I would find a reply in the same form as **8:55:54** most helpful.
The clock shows **3:10:51**
